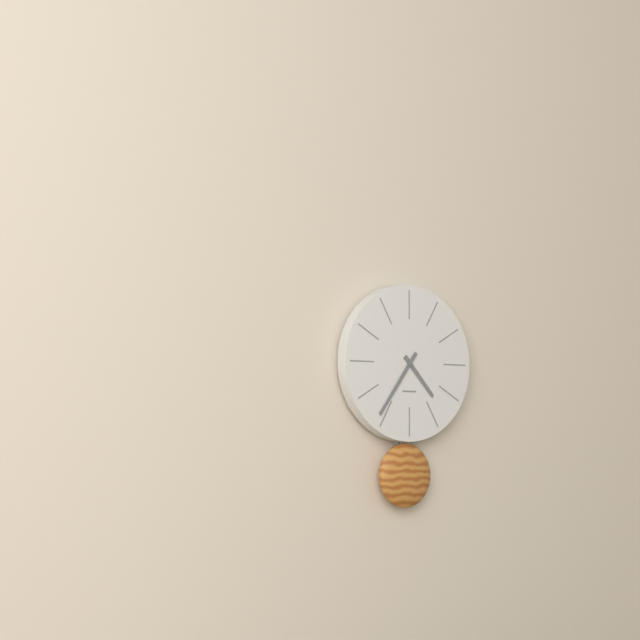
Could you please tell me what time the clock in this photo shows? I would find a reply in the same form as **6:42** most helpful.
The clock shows **4:36**
